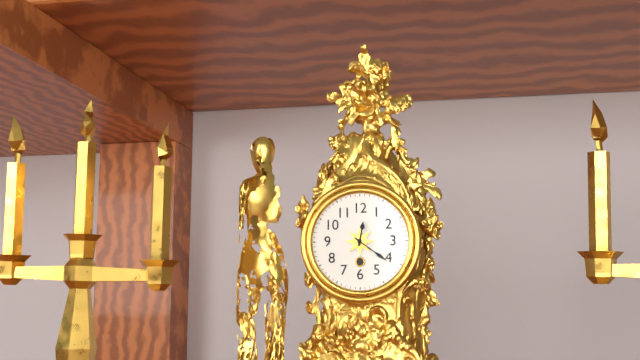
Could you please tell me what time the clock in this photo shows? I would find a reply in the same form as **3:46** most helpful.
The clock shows **12:21**
